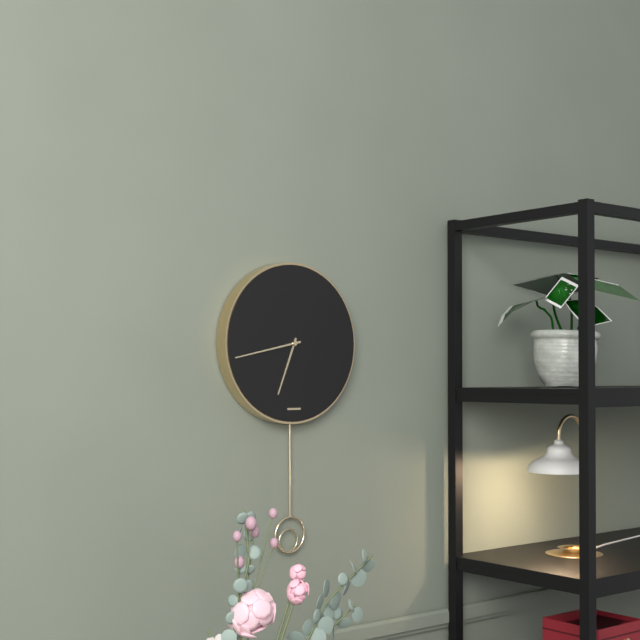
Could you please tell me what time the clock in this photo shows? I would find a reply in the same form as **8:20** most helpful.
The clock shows **6:43**
